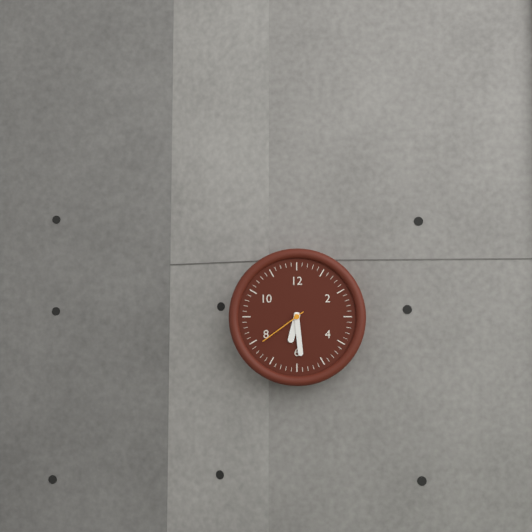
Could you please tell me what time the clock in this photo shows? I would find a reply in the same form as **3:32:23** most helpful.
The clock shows **6:29:39**
